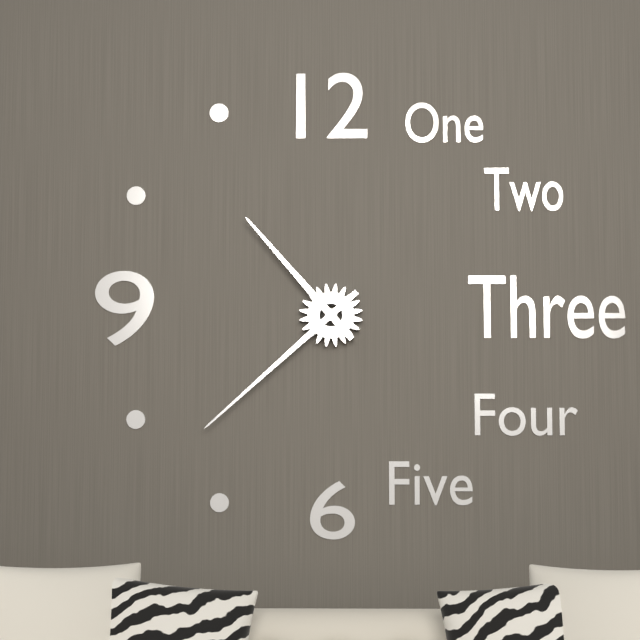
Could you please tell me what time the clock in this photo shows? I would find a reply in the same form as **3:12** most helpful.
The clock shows **10:38**
